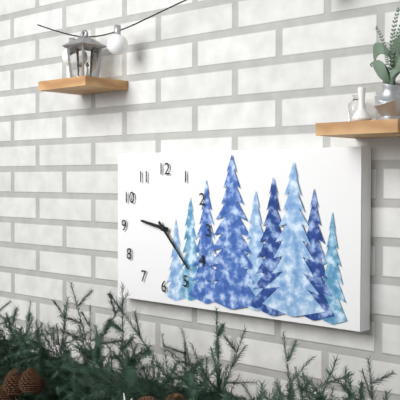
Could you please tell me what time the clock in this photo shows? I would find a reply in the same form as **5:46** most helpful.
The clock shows **9:23**
